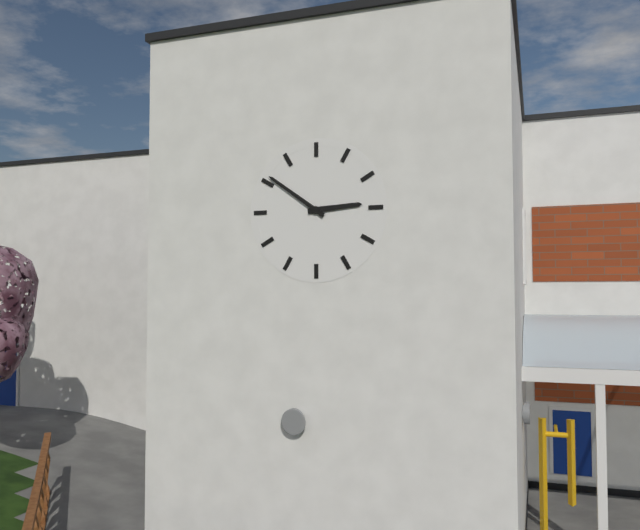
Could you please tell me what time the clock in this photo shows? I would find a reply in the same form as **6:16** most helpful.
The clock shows **2:51**
